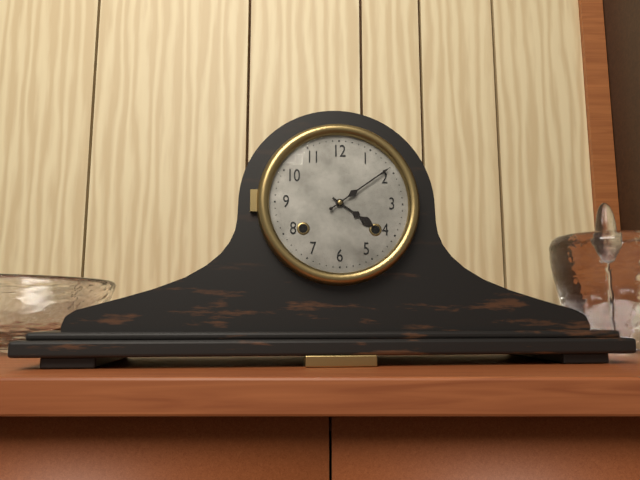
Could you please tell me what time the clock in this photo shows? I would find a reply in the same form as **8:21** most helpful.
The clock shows **4:09**
